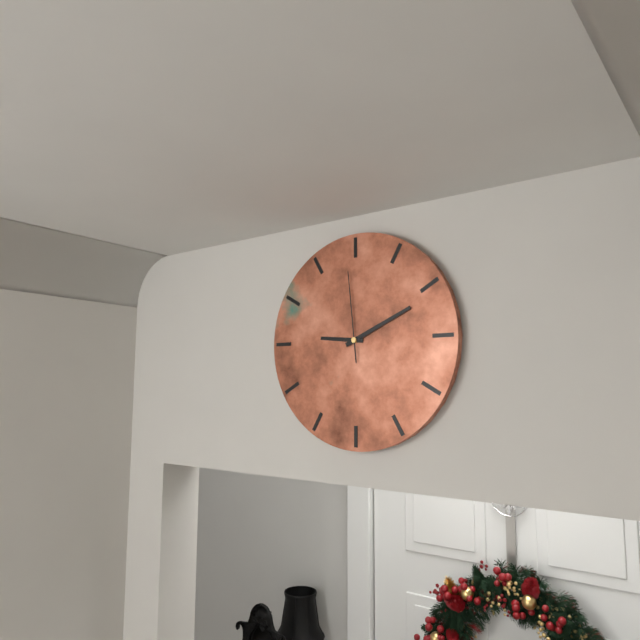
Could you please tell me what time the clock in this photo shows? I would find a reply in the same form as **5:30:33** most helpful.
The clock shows **9:11:59**
